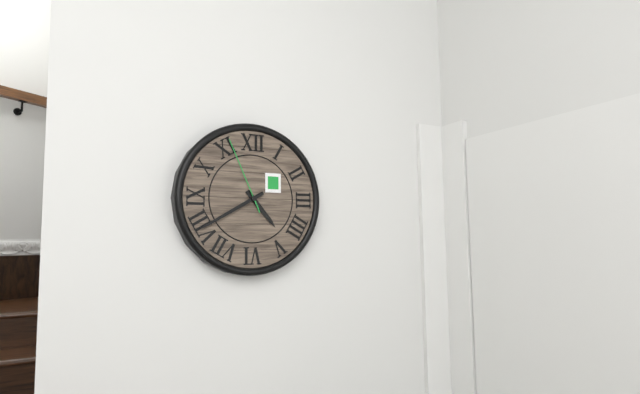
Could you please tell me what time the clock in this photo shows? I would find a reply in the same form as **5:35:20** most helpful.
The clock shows **4:40:56**
